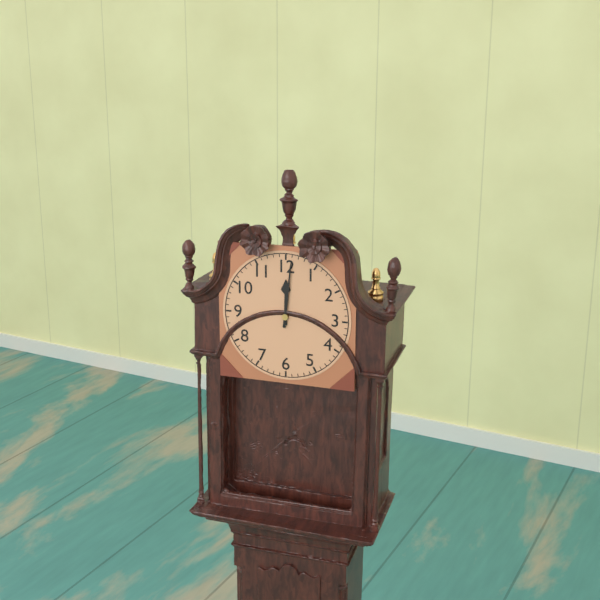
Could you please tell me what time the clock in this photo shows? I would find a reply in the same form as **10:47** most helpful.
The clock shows **12:01**
